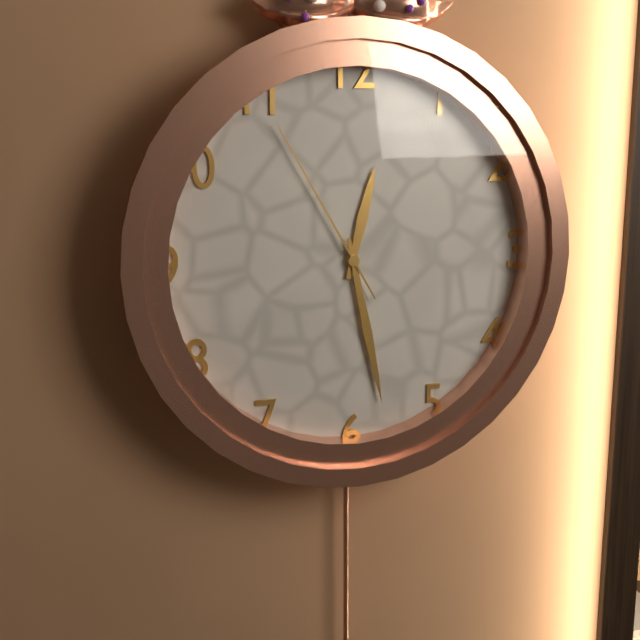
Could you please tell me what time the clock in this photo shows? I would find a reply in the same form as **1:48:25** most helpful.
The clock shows **12:28:55**
